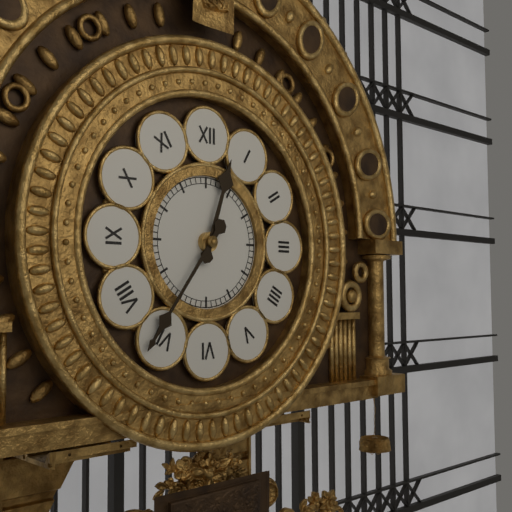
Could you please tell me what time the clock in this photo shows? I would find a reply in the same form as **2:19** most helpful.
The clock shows **12:36**
